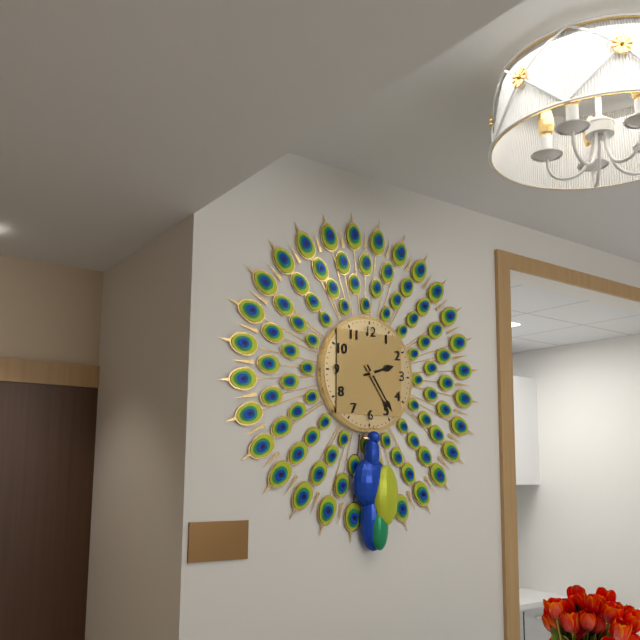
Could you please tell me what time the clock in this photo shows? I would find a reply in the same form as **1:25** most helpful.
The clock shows **2:24**
